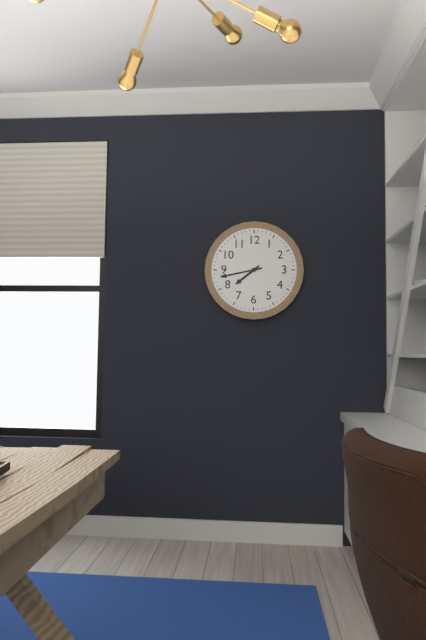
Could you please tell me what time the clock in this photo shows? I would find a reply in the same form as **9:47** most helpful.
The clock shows **7:43**
